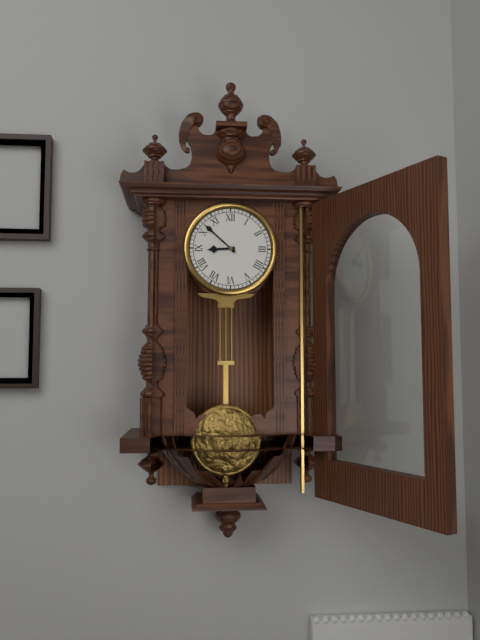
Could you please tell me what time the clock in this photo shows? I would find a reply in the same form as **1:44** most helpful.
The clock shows **8:52**
